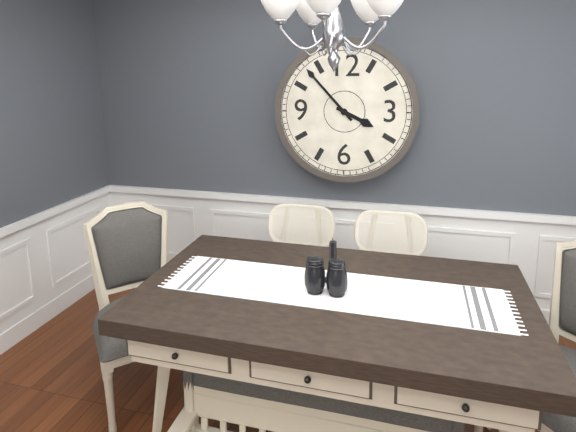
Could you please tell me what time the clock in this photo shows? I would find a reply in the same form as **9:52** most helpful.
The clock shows **3:53**
